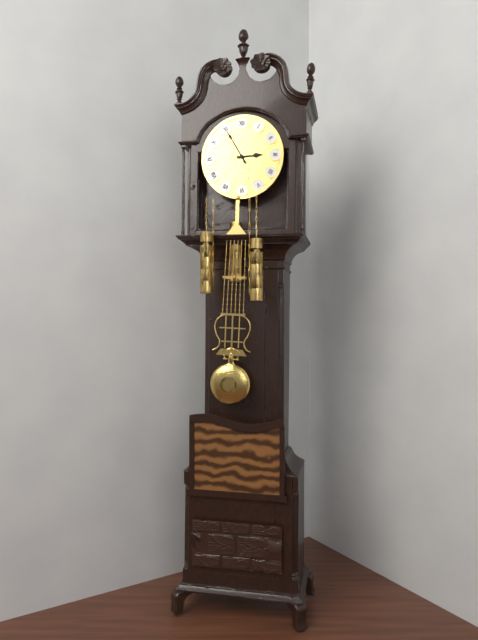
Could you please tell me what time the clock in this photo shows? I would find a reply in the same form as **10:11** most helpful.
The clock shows **2:55**
